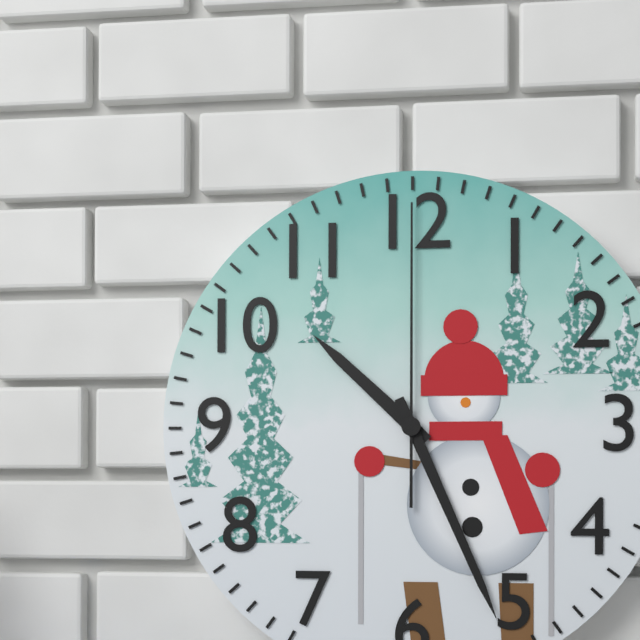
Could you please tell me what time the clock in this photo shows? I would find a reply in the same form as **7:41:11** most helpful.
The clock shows **10:26:00**
